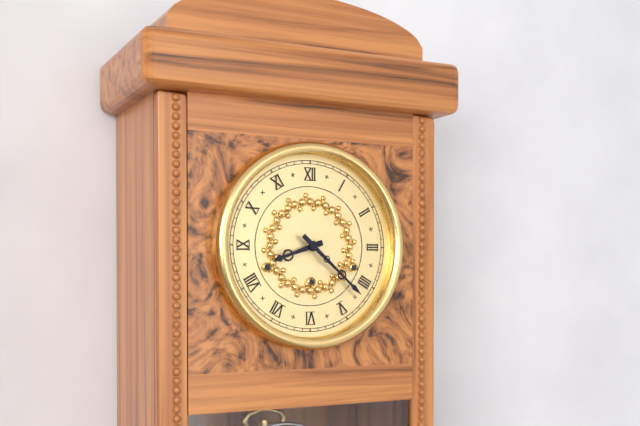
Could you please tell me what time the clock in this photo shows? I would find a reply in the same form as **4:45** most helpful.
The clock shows **8:22**
